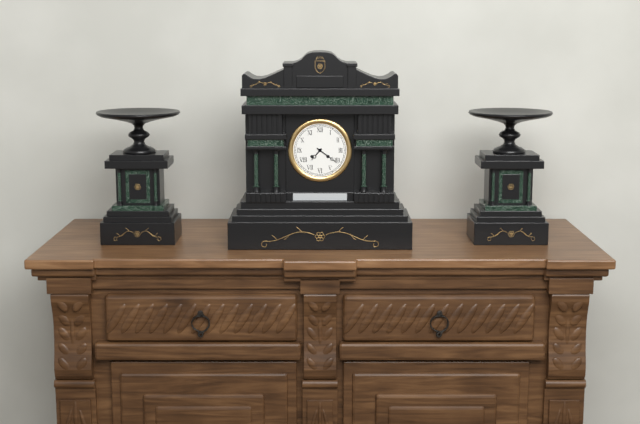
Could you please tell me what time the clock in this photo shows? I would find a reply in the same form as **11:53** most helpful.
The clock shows **7:21**
